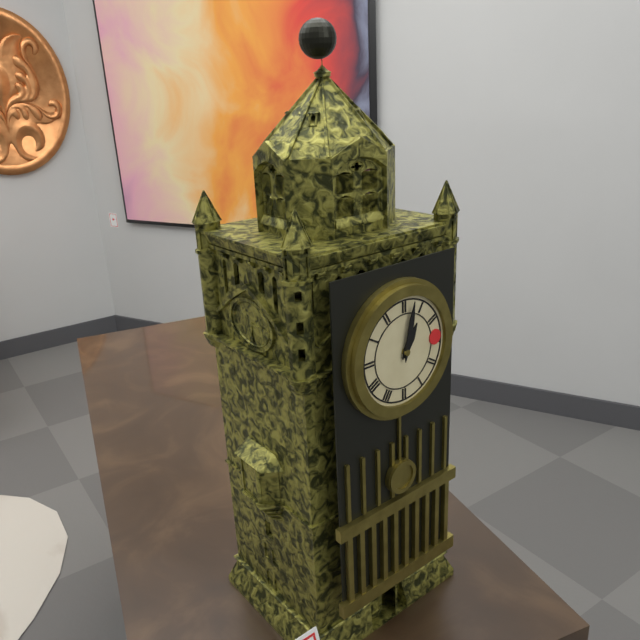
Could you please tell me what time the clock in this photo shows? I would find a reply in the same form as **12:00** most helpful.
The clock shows **1:02**
